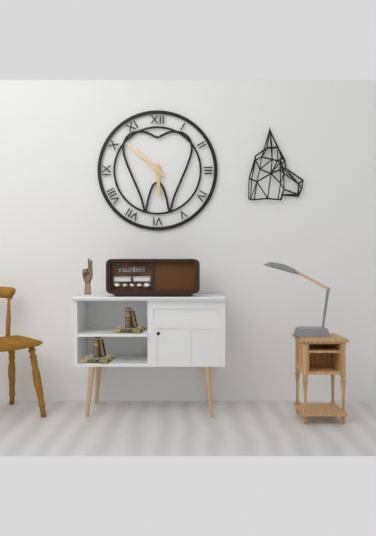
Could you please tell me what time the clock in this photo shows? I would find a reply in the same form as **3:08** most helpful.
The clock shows **5:52**
